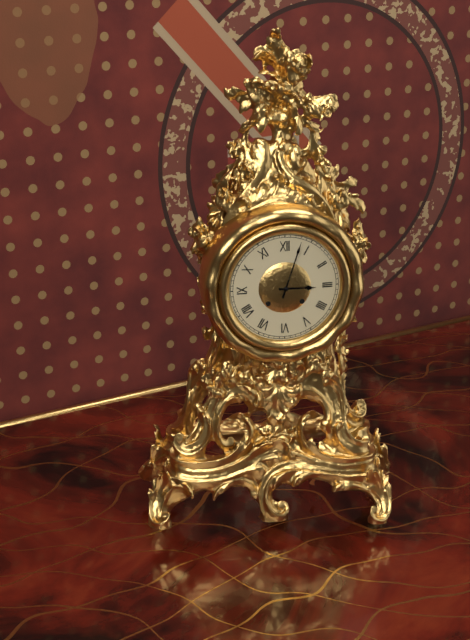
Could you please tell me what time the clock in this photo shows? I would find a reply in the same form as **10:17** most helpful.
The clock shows **3:03**
